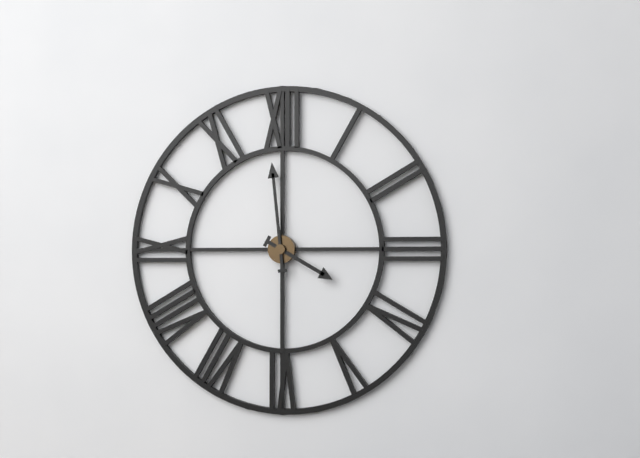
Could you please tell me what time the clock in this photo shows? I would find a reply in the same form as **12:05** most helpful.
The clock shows **3:59**
